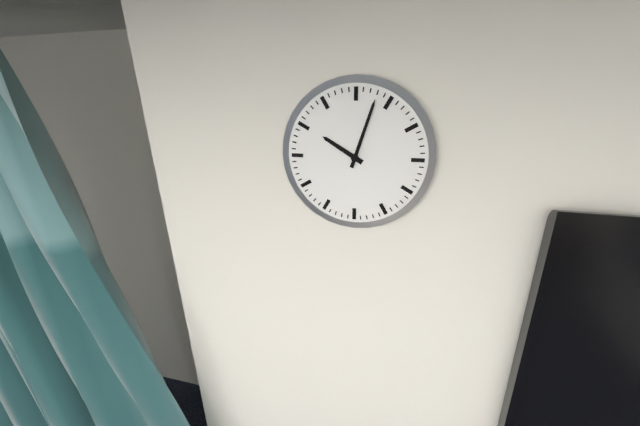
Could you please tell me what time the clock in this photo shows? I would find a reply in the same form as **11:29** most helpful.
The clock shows **10:03**
